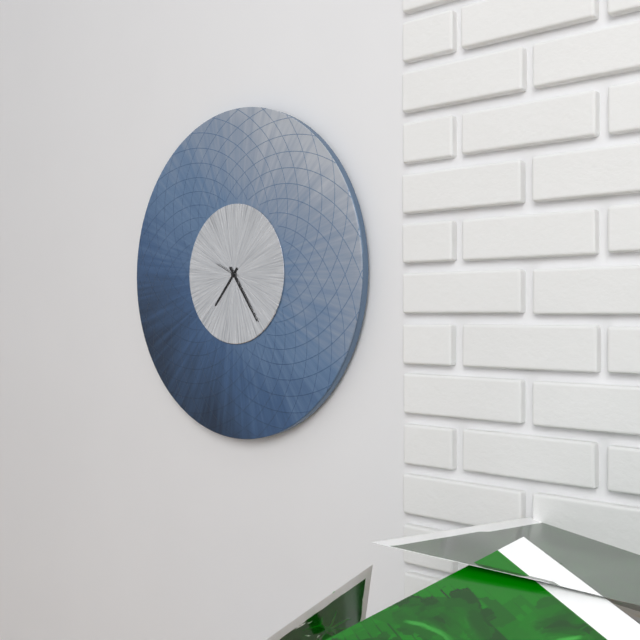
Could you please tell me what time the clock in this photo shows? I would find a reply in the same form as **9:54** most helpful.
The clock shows **7:24**
